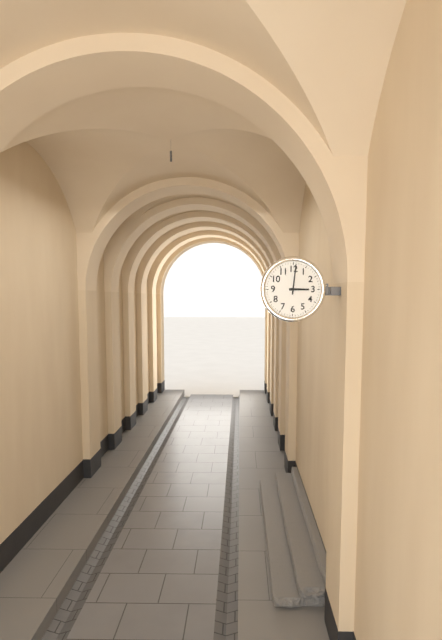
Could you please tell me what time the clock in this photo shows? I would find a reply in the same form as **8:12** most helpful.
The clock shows **3:01**
